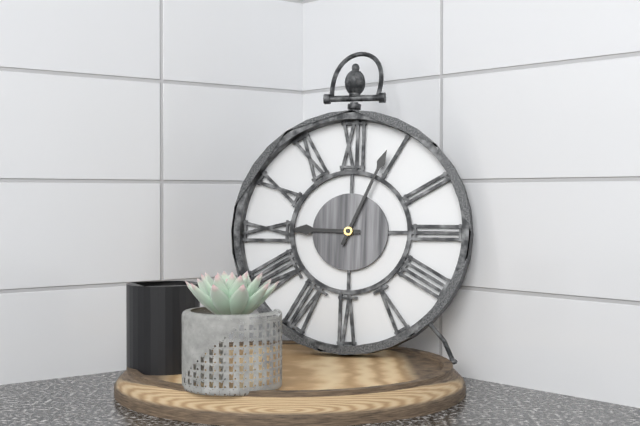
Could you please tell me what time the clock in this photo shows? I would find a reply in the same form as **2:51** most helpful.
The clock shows **9:04**
